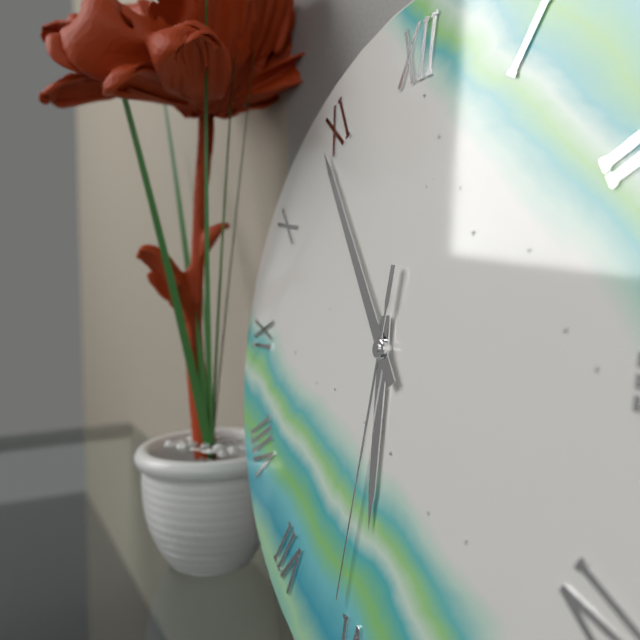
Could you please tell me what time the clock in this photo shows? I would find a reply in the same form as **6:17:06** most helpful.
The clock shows **5:54:31**
